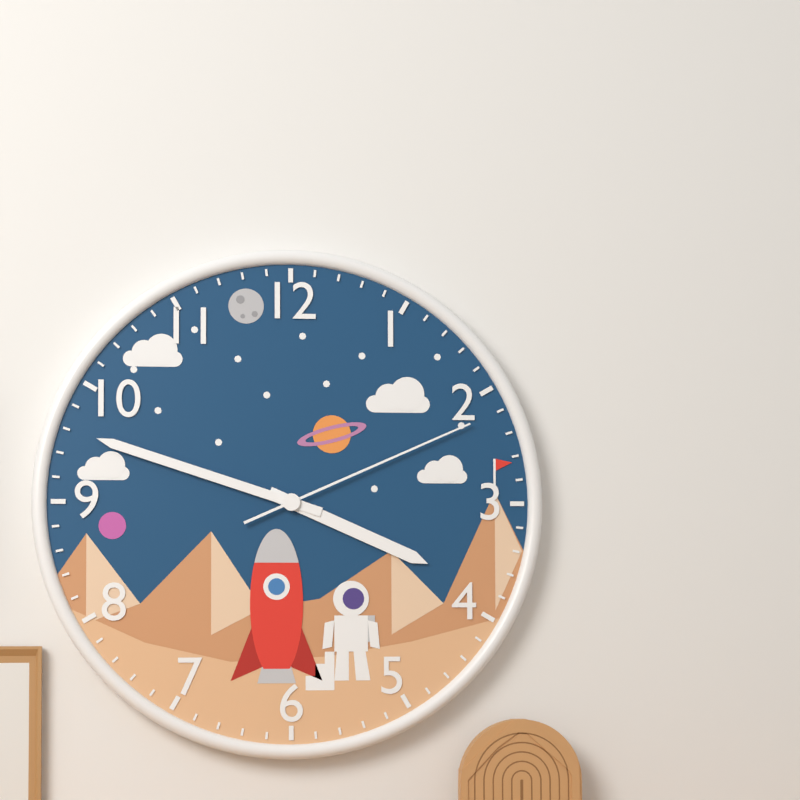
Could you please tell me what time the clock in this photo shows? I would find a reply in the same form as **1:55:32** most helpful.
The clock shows **3:48:11**
